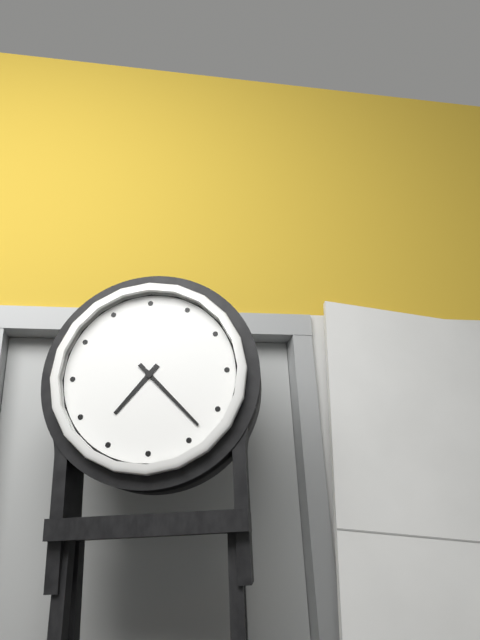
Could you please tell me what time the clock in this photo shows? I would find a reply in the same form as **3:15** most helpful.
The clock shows **7:23**
